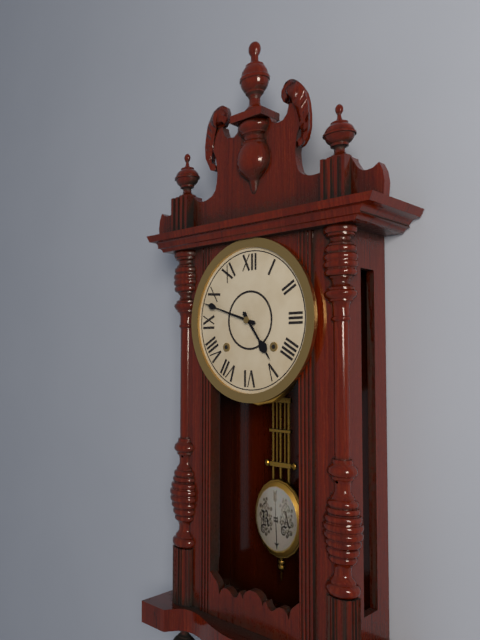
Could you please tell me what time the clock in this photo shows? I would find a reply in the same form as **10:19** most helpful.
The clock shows **4:48**
